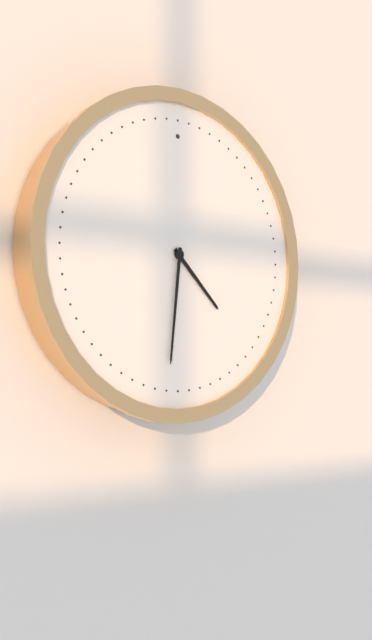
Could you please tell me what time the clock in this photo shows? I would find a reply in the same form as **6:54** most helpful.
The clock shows **4:31**
